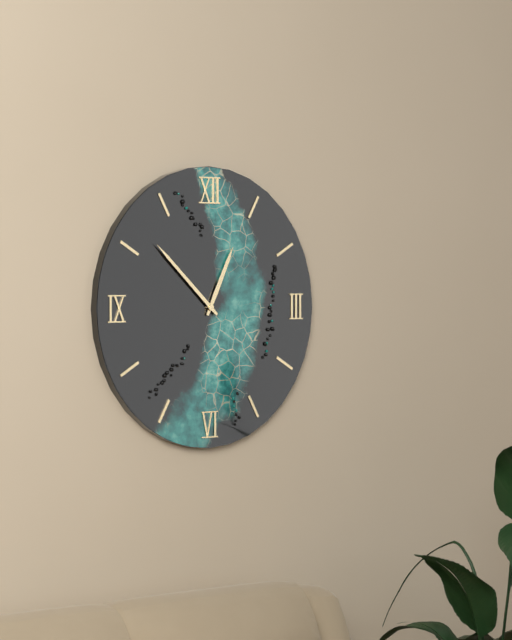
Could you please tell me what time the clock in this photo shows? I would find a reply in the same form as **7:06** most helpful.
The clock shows **12:52**
